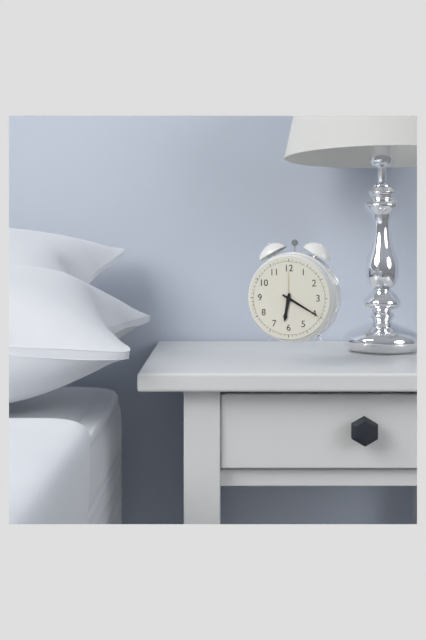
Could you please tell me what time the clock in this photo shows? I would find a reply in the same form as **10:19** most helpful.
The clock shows **6:20**
